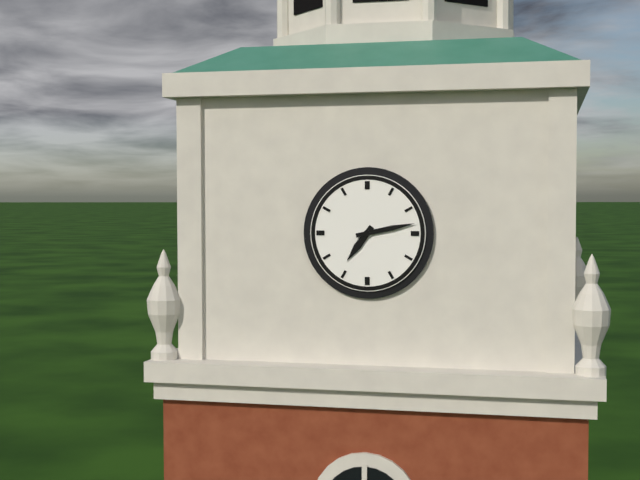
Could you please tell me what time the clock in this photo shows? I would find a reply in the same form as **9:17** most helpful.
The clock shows **7:13**
